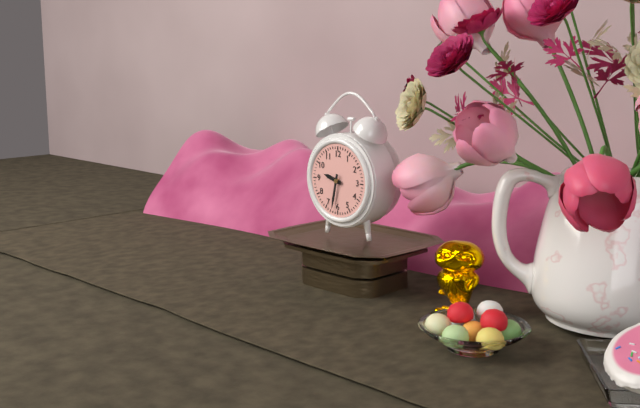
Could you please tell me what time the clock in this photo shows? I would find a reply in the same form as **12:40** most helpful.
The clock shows **9:32**
